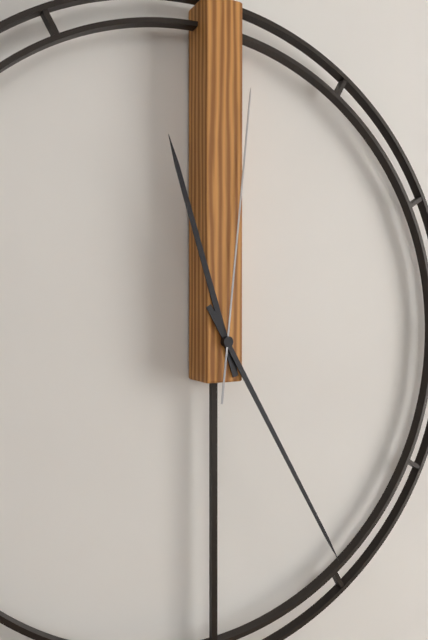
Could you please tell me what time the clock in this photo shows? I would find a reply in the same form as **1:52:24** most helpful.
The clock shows **11:25:01**
